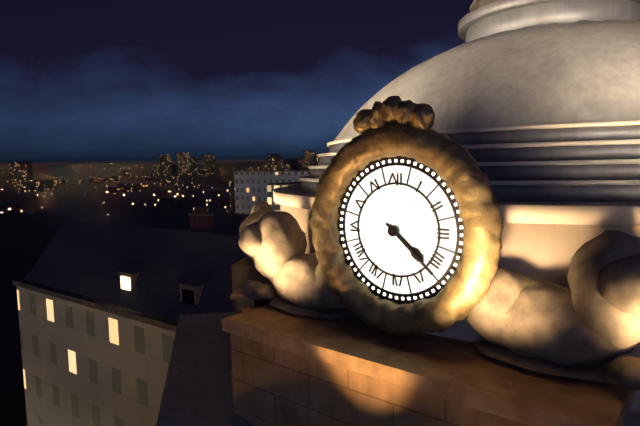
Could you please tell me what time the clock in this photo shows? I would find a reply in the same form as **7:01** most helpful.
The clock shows **4:22**
